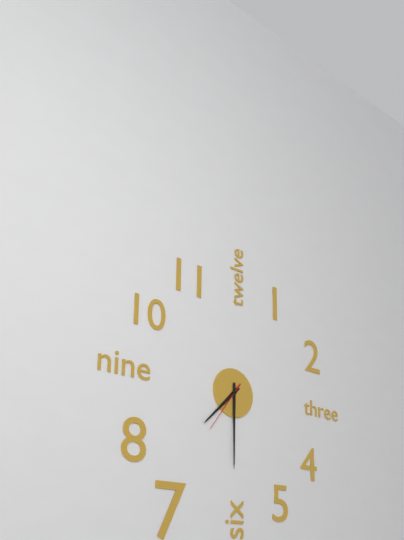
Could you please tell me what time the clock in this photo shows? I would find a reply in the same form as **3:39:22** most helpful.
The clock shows **7:30:36**
